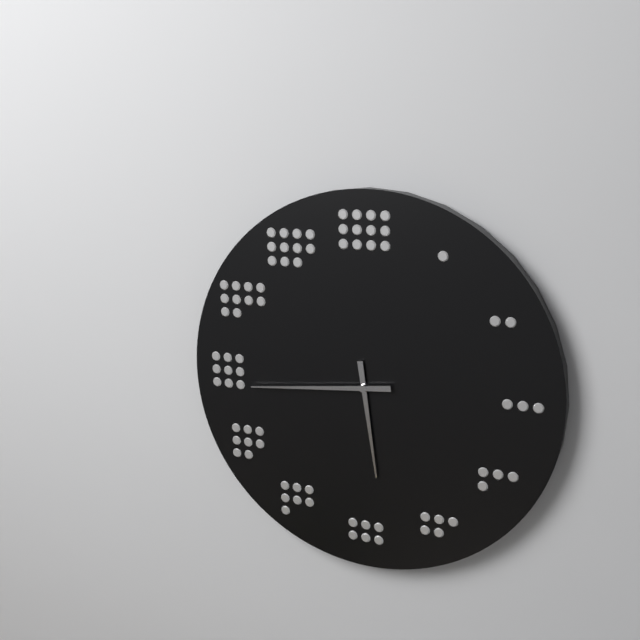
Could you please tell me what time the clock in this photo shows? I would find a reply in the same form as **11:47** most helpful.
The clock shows **5:44**
